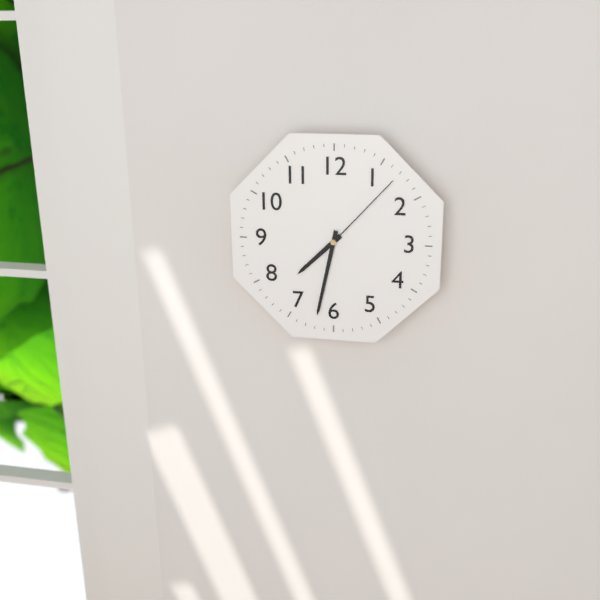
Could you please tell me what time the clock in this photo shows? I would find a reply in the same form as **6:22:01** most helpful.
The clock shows **7:32:07**
